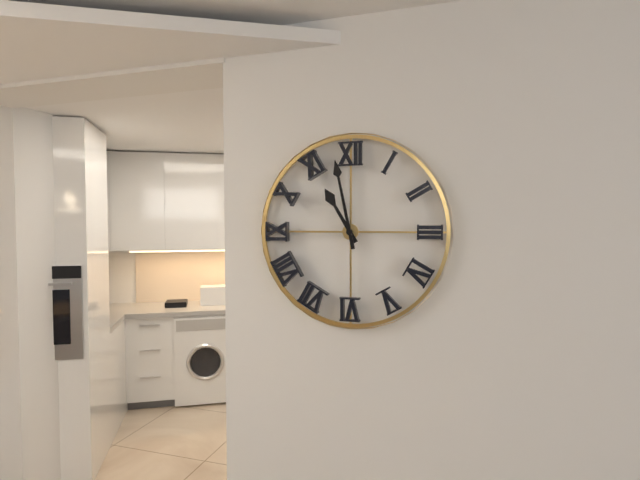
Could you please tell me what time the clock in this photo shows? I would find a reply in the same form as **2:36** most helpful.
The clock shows **10:58**
